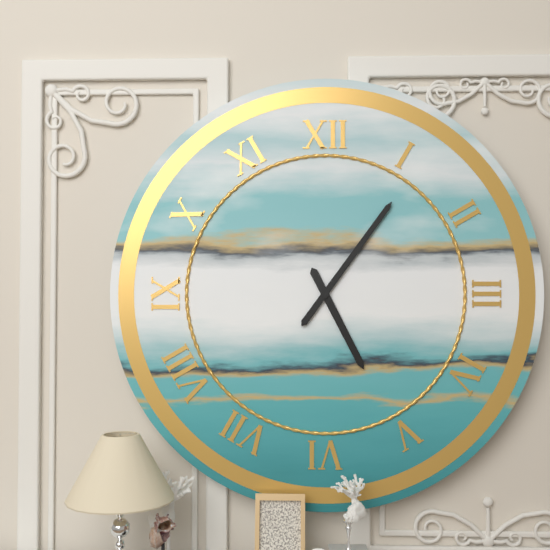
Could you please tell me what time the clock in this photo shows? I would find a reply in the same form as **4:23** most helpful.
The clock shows **5:06**
